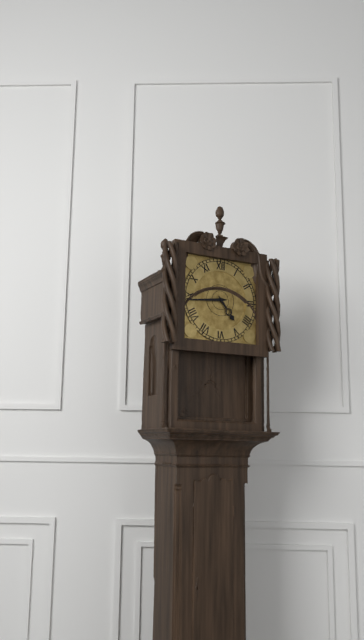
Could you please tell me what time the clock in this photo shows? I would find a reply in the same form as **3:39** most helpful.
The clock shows **4:44**
